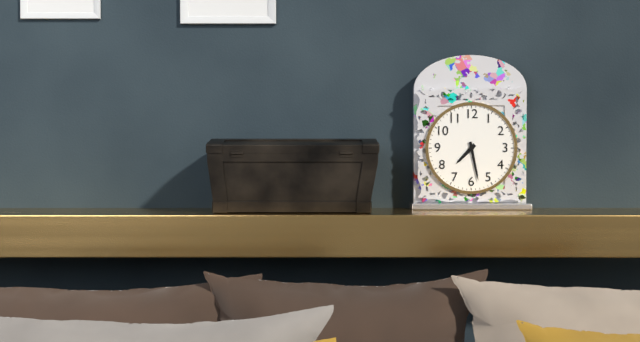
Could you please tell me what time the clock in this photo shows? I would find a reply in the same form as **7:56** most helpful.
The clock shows **7:28**
